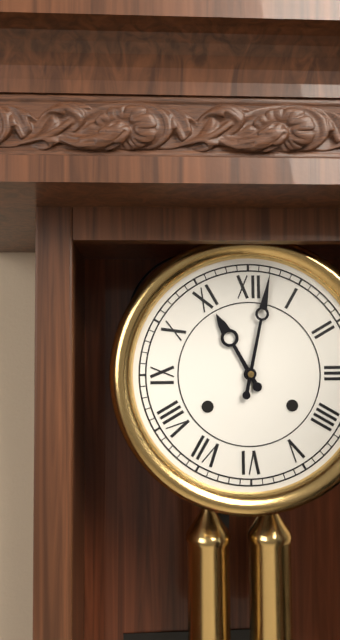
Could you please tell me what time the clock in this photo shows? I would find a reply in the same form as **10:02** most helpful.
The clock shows **11:02**
